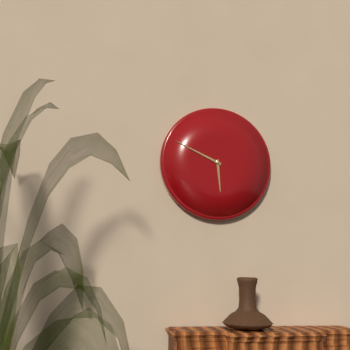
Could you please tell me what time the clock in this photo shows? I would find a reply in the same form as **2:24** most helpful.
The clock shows **5:49**
